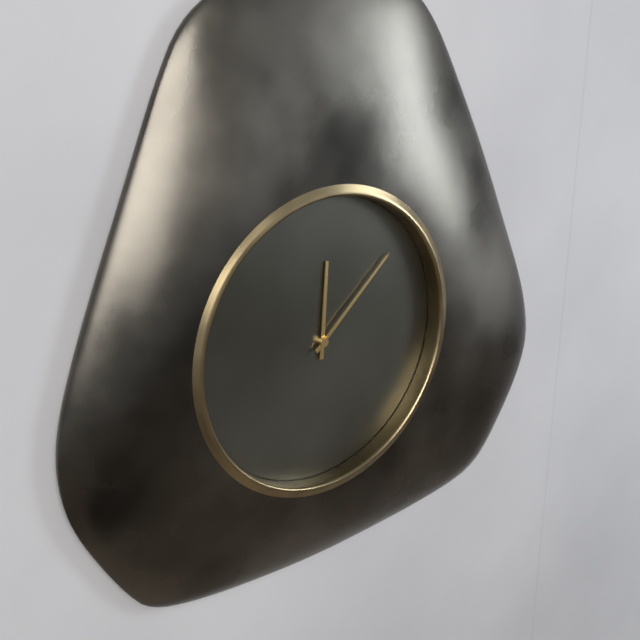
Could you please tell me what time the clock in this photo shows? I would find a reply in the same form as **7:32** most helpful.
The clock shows **12:08**
